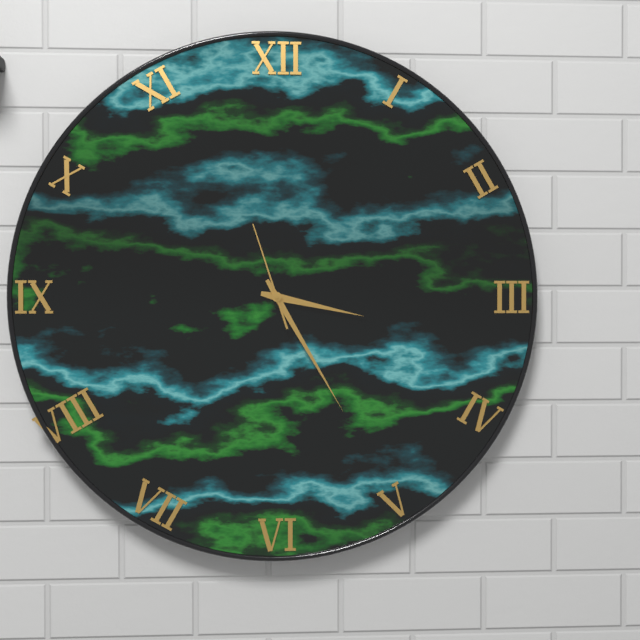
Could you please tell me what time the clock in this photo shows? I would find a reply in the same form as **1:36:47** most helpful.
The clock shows **3:25:57**
